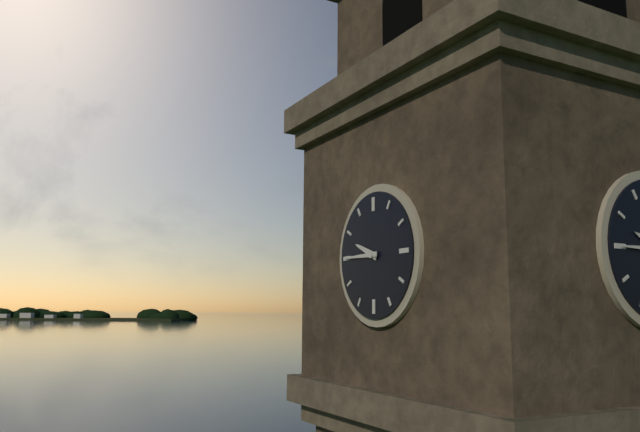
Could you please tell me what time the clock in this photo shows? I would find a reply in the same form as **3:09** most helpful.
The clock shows **9:45**
